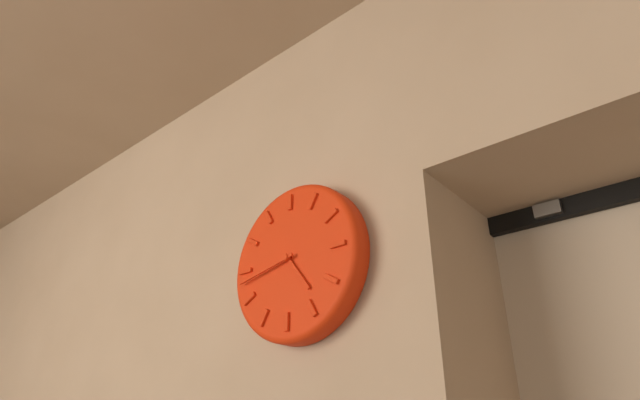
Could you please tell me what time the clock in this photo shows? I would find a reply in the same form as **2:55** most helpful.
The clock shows **4:43**
